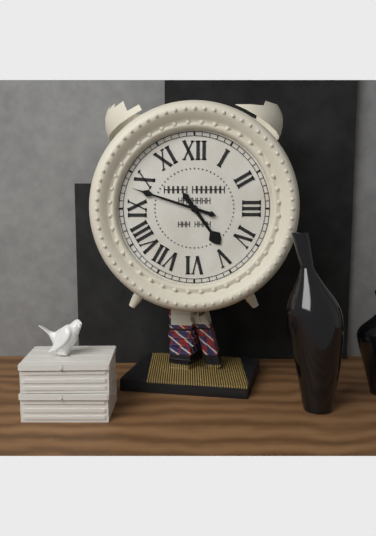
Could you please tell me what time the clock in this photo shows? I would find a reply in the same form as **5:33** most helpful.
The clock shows **4:48**
